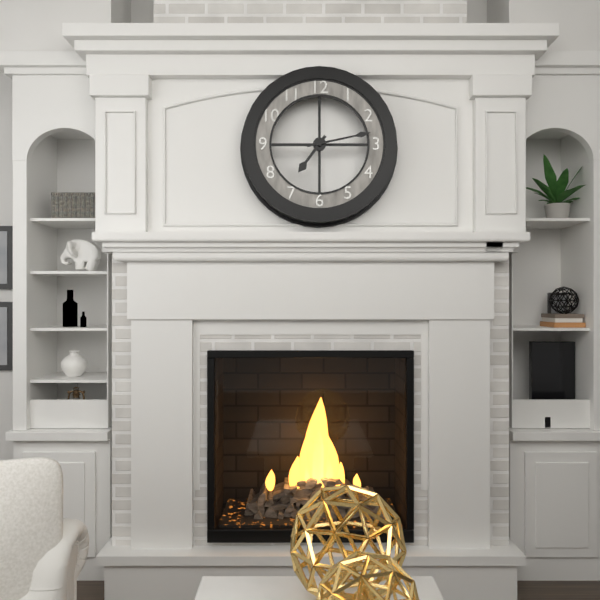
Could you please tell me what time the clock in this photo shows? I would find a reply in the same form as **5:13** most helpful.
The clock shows **7:13**
